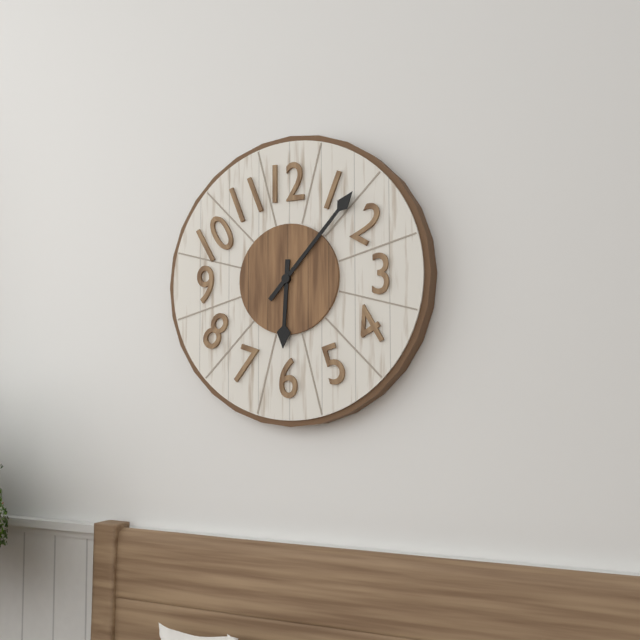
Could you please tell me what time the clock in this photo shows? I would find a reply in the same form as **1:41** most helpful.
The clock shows **6:07**
